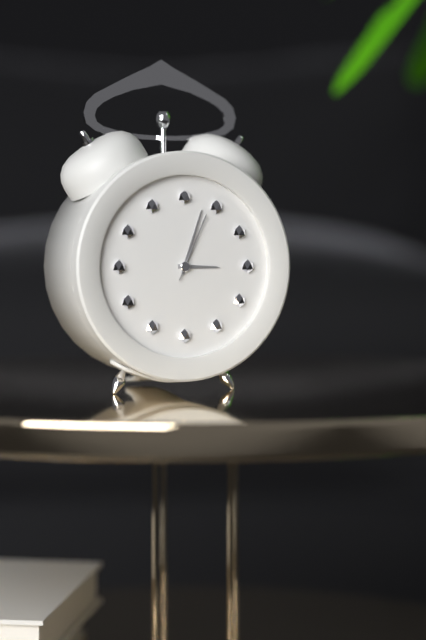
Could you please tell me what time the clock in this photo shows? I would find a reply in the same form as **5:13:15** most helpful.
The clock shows **3:03:04**
